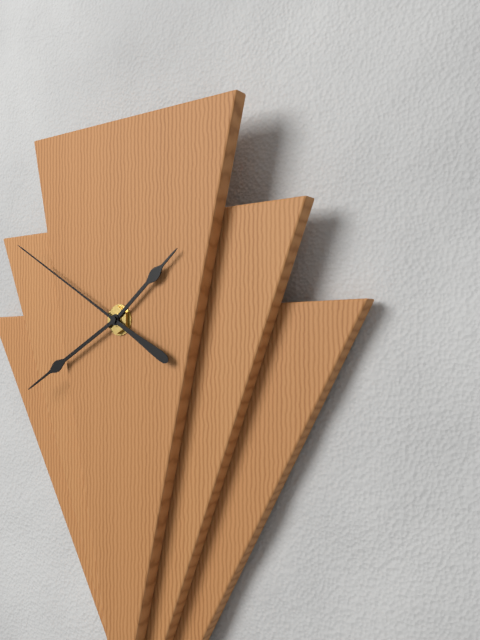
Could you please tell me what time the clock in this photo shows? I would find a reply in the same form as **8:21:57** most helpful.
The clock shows **1:40:50**
